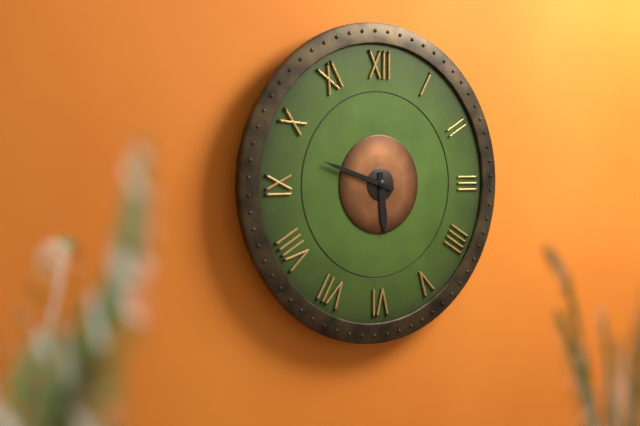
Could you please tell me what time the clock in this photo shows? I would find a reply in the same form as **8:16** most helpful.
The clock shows **5:48**
